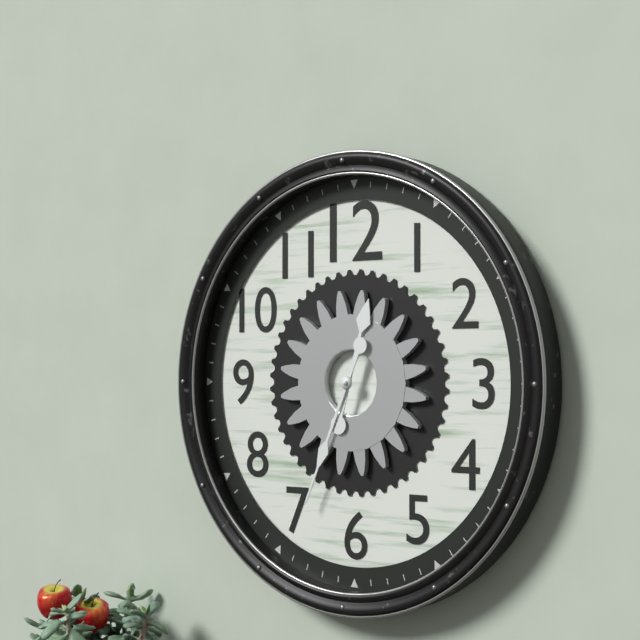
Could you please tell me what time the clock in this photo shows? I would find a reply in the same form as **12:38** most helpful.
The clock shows **12:34**
